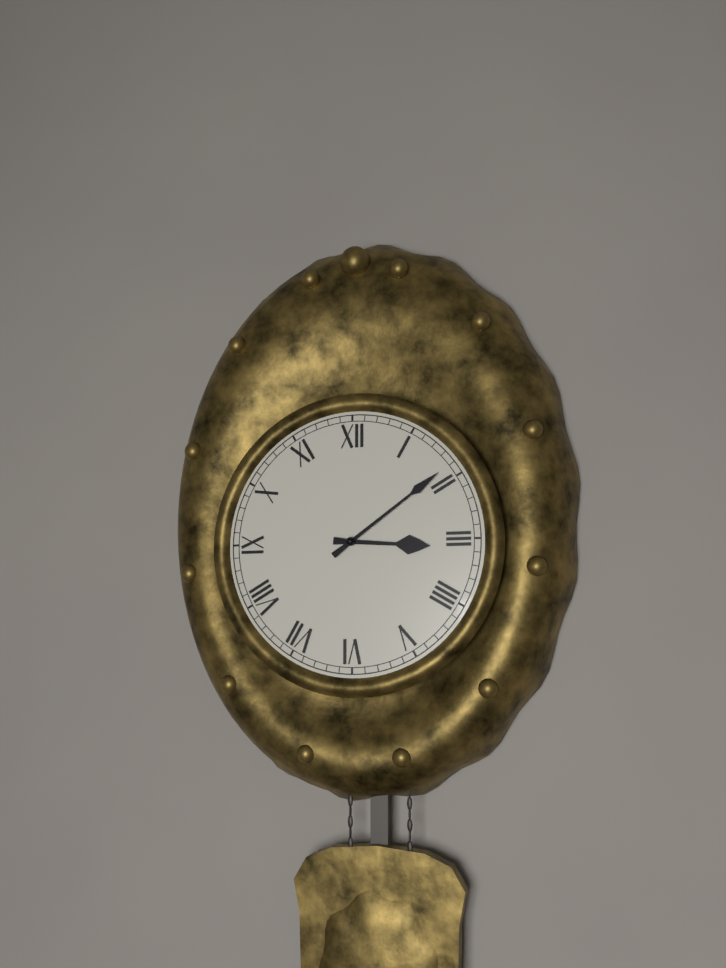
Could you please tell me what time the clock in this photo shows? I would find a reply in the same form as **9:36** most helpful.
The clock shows **3:09**
